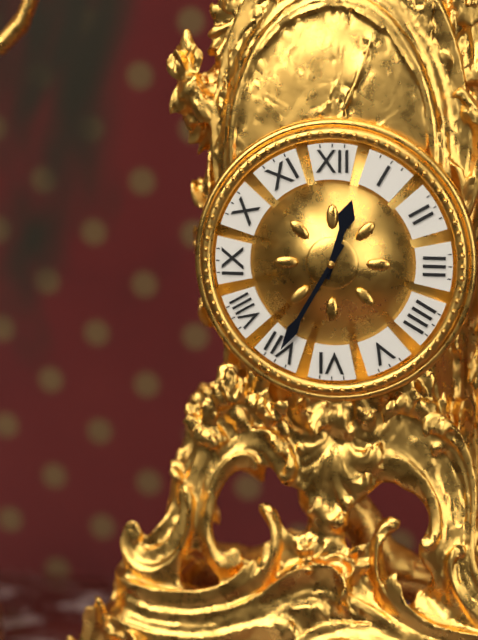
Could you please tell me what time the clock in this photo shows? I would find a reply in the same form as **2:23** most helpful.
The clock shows **12:35**
